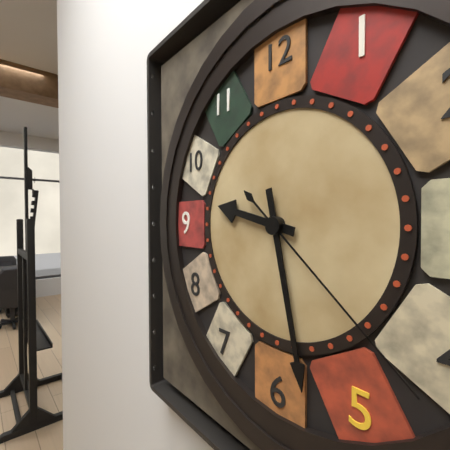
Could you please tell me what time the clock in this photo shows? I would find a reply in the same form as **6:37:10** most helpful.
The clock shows **9:28:22**
